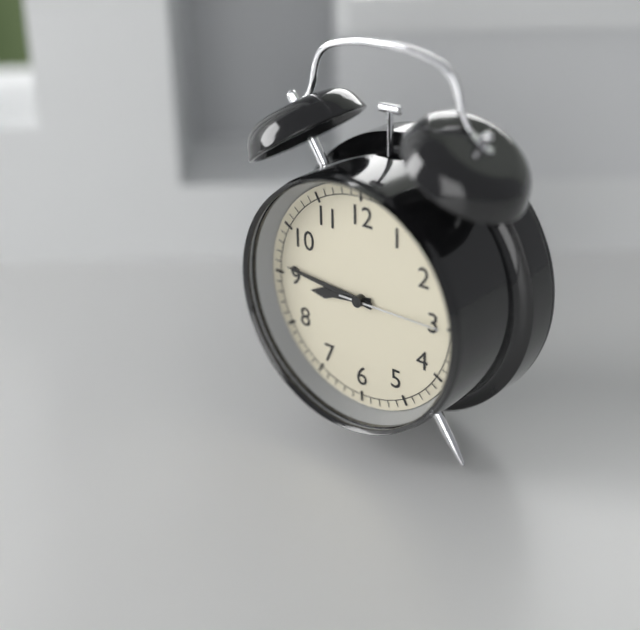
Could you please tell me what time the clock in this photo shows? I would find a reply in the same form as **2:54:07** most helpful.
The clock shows **8:46:15**
